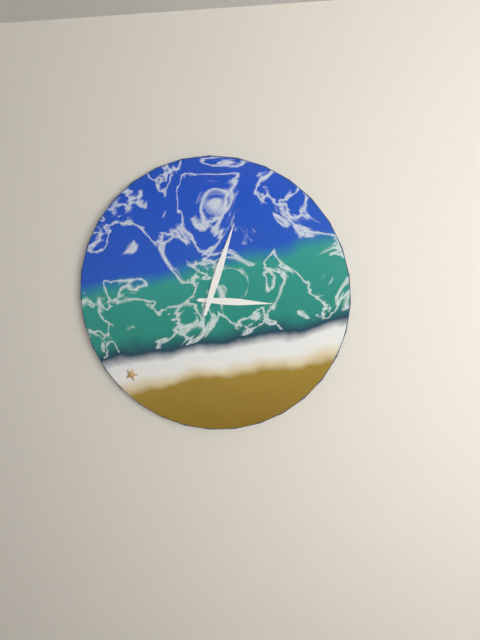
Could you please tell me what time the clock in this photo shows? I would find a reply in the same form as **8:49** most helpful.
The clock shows **3:03**
